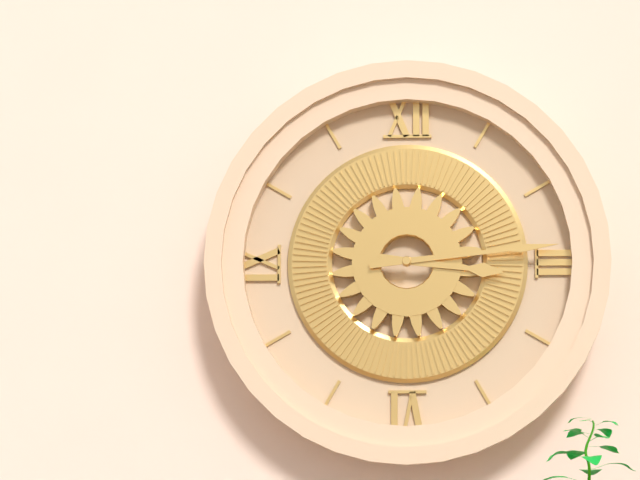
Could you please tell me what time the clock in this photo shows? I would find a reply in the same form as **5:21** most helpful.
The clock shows **3:14**
